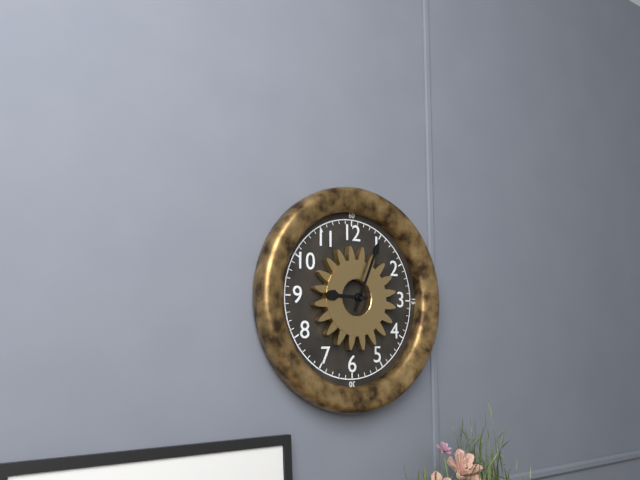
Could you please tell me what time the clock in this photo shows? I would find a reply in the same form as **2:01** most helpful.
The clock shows **9:04**
